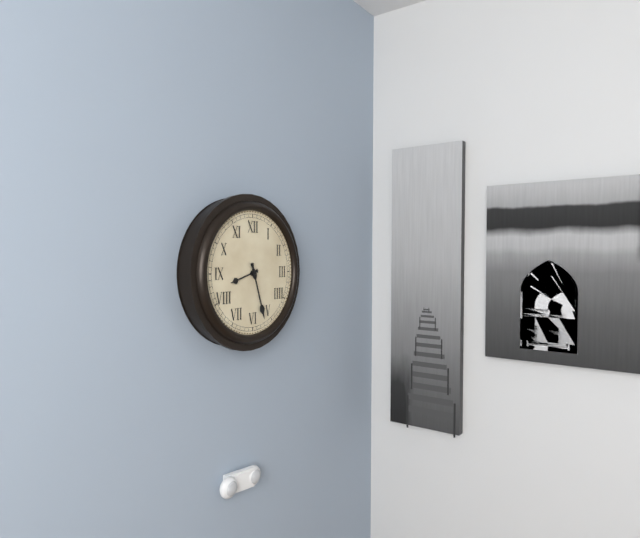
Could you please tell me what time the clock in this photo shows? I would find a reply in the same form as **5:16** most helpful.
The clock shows **8:27**
